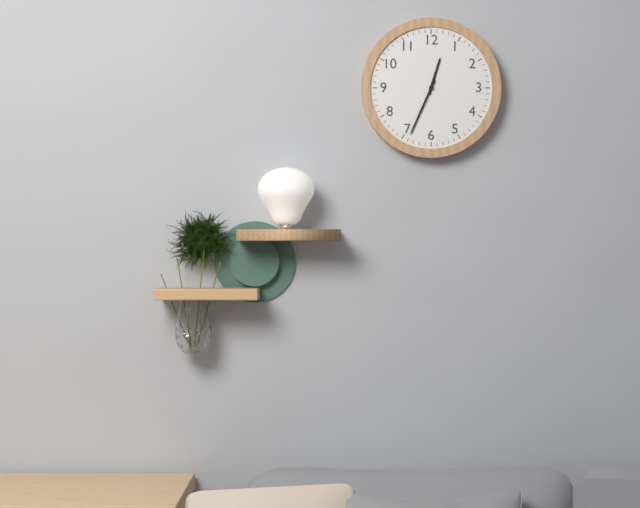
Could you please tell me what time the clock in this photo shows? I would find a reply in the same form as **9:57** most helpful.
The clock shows **12:34**
